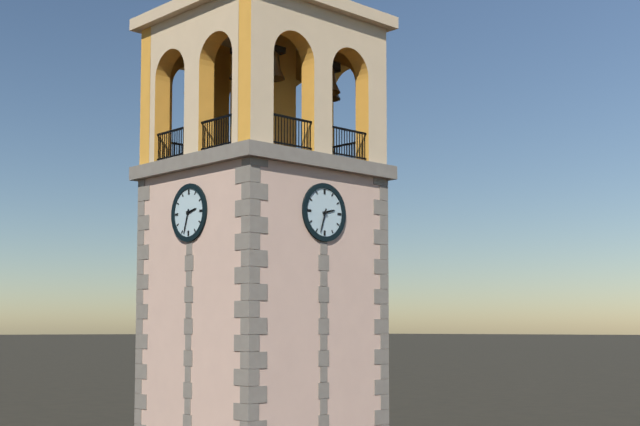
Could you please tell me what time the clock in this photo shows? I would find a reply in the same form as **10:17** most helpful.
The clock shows **2:33**
